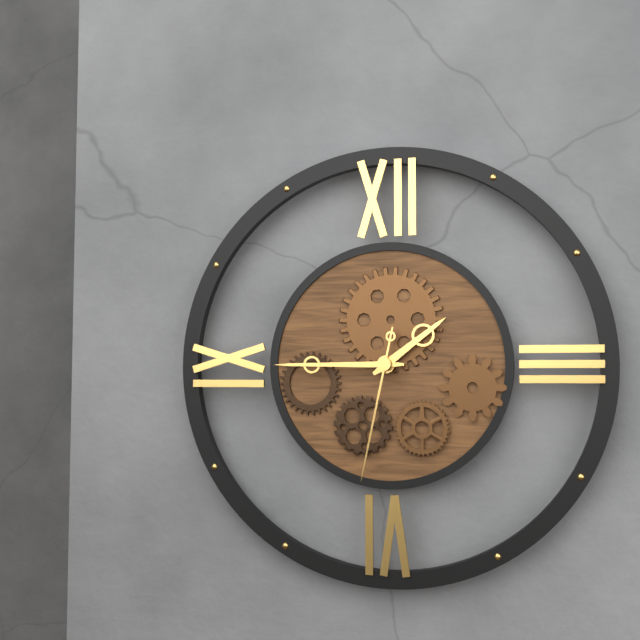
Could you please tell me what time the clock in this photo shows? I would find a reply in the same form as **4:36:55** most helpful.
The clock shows **1:45:32**
